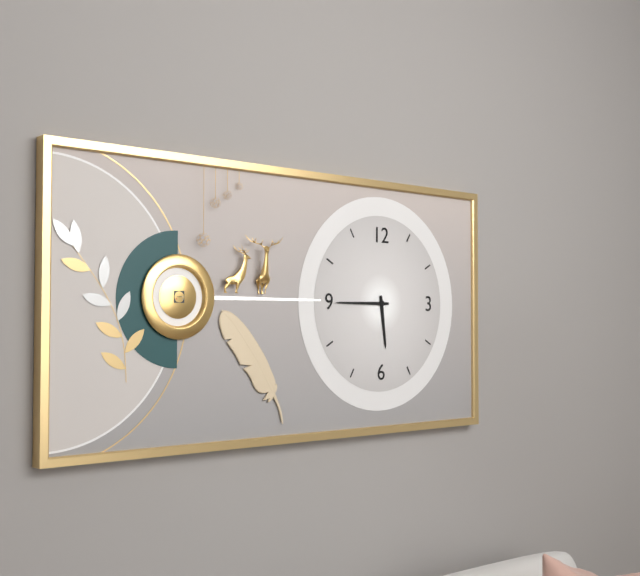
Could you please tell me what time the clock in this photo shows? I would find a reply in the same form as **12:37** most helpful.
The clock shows **5:45**
